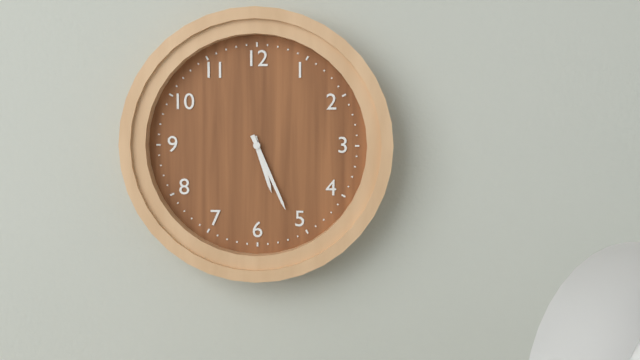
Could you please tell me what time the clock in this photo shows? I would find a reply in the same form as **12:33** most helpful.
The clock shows **5:26**
